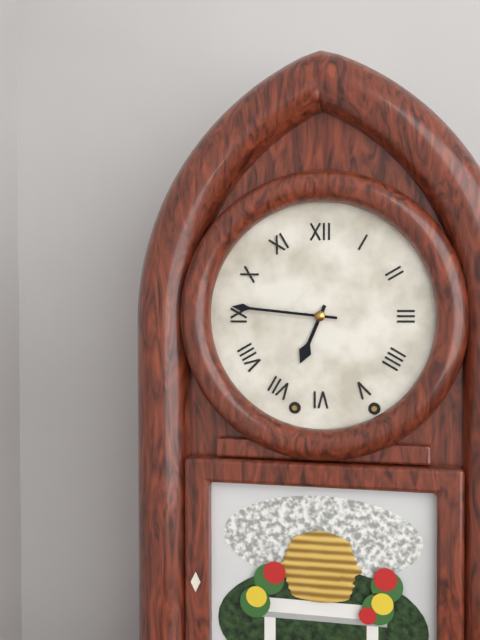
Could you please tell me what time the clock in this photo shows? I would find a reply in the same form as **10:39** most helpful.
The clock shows **6:46**
